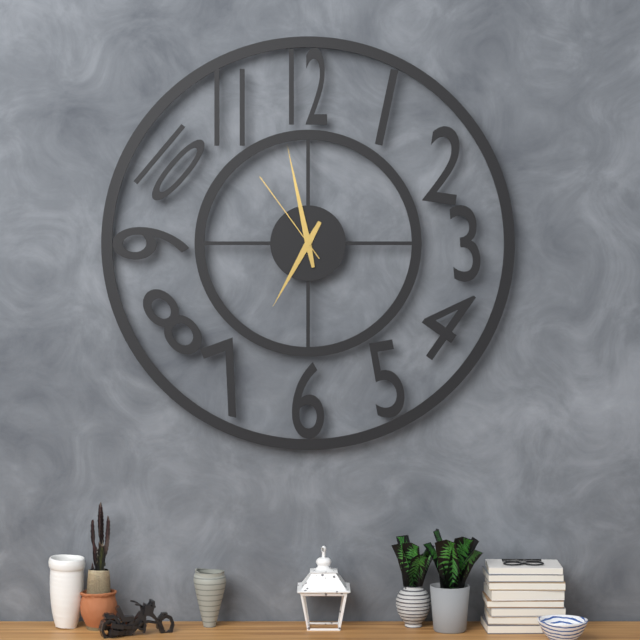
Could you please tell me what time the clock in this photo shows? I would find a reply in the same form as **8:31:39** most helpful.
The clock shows **6:58:54**
